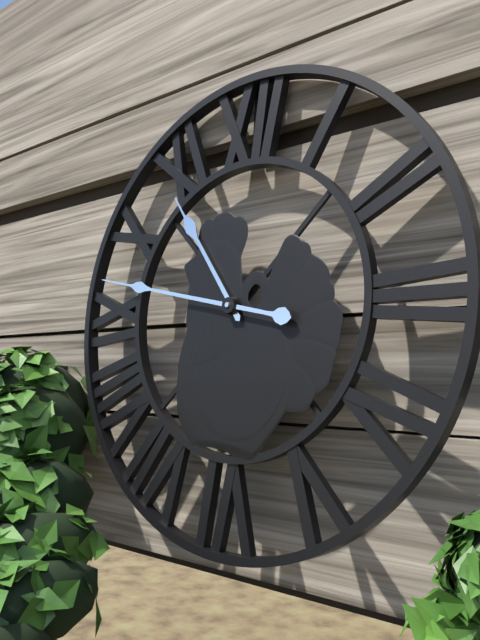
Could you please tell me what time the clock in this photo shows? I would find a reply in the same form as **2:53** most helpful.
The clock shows **10:47**
